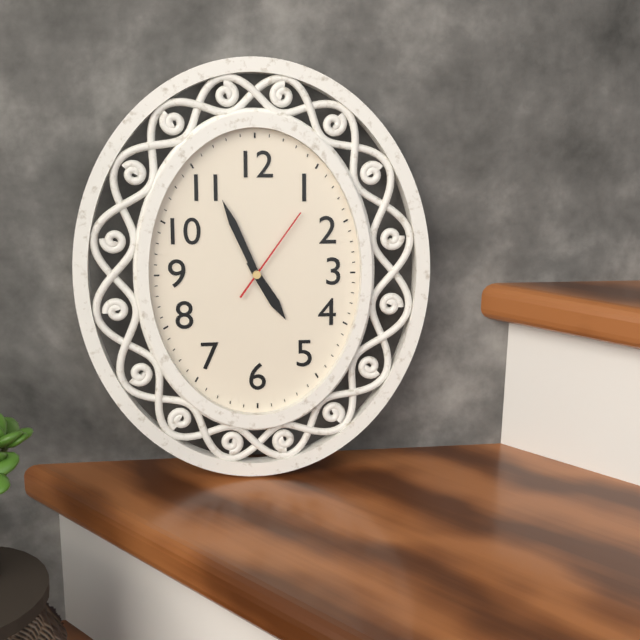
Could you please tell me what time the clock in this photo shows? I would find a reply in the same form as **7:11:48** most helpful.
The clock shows **4:56:06**
